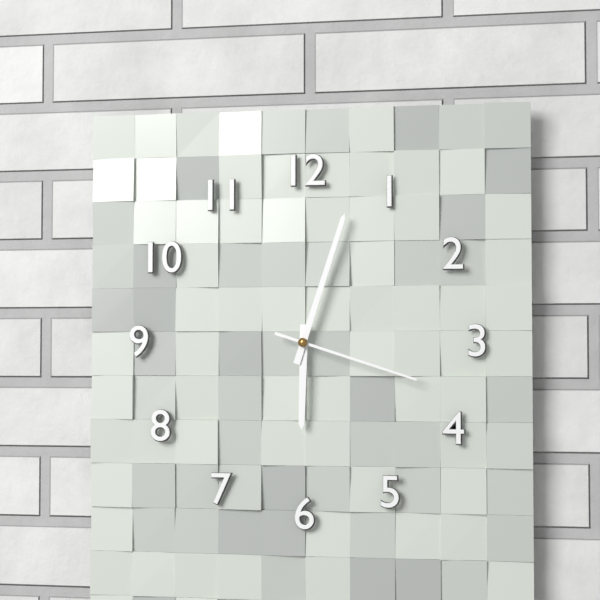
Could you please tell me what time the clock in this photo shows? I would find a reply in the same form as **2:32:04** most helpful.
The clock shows **6:03:18**
